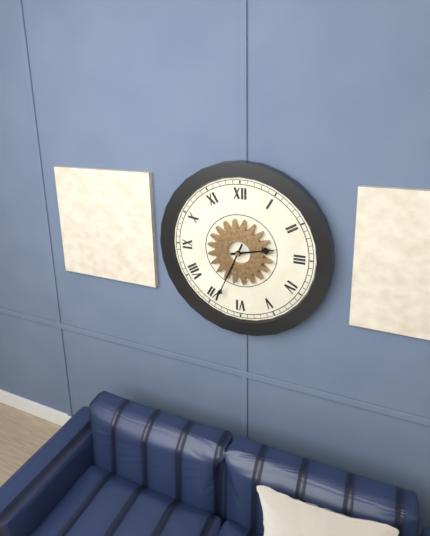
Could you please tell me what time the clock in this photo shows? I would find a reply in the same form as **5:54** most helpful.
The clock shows **2:34**
